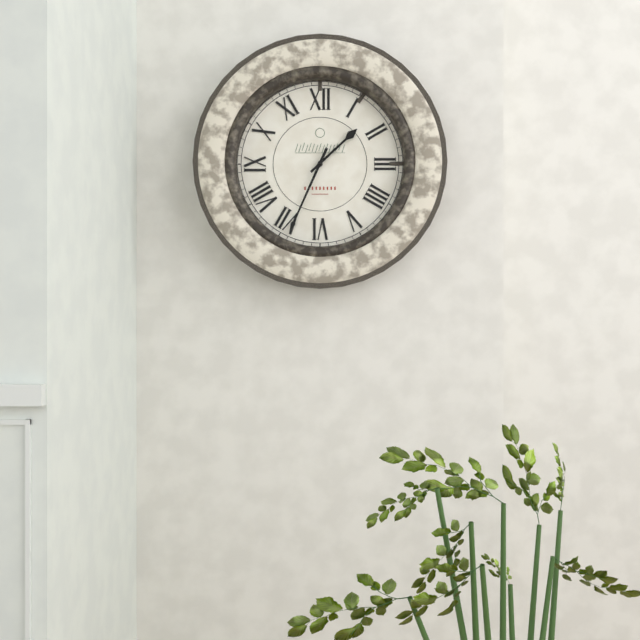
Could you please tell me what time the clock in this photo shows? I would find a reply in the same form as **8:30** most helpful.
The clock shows **1:34**
